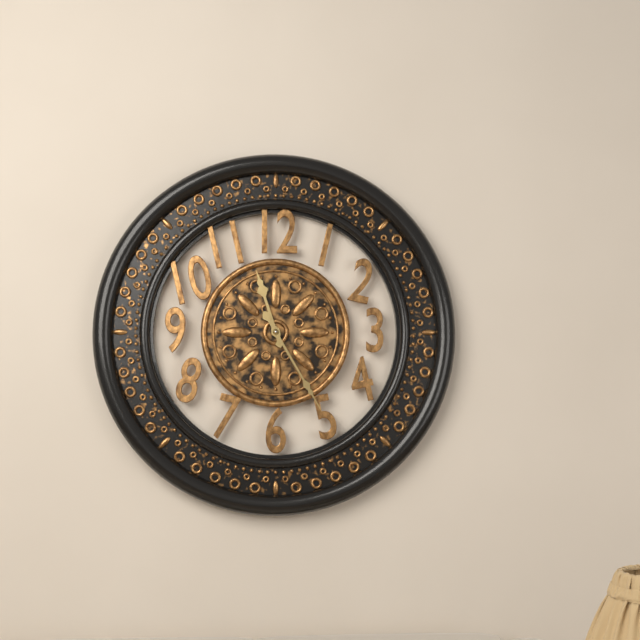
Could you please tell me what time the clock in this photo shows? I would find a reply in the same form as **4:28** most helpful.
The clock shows **11:25**
